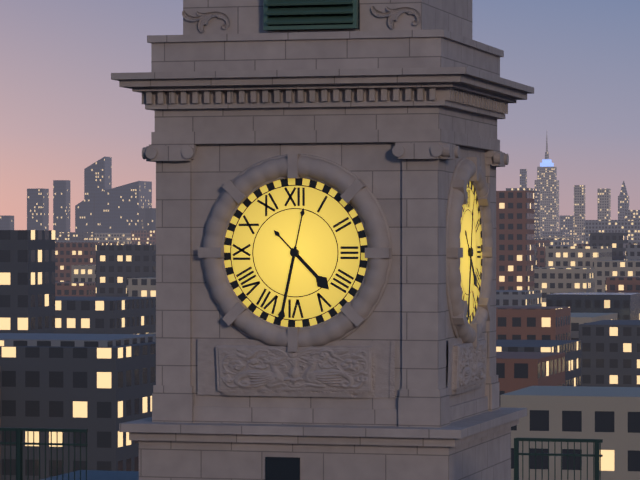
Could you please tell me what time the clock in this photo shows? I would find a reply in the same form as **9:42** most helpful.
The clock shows **4:32**
